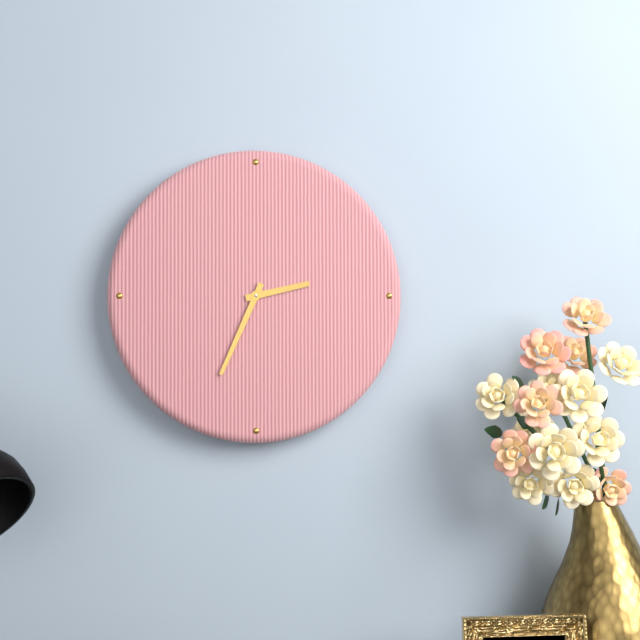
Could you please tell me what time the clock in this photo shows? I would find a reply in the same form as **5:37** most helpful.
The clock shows **2:34**
